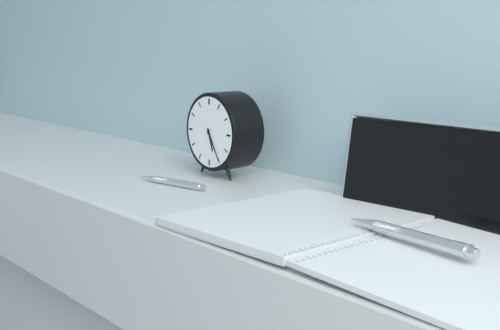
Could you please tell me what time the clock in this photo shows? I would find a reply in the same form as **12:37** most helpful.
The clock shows **5:25**
